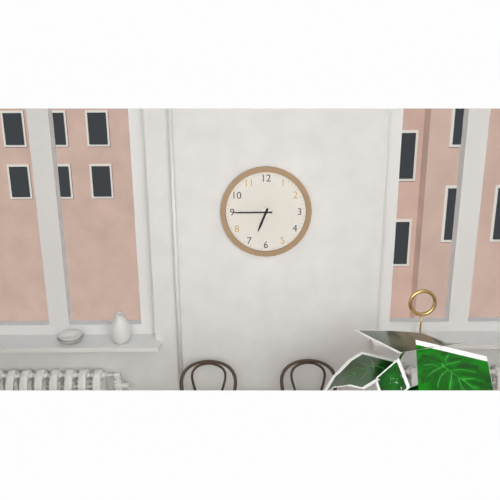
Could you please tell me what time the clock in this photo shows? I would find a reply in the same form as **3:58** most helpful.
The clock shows **6:45**
